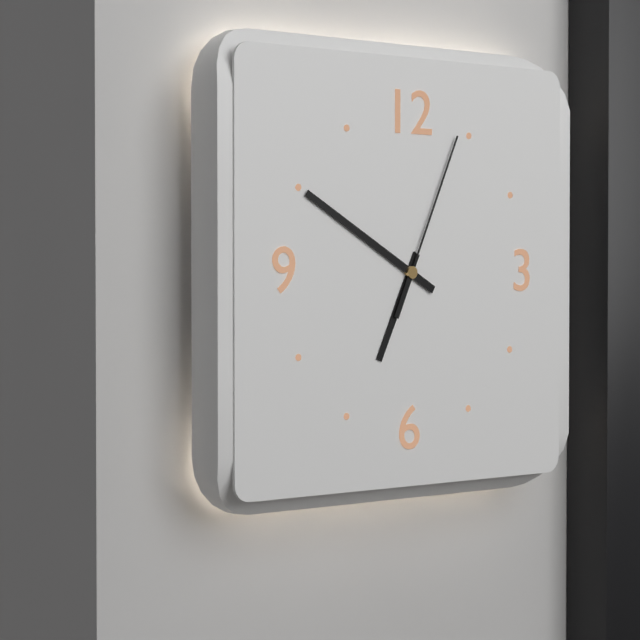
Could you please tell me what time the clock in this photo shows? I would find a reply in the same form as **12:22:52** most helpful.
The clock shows **6:50:04**
